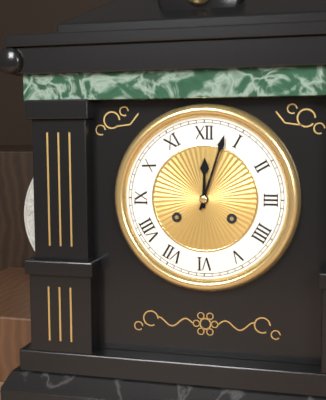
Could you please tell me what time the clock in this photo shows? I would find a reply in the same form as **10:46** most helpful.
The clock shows **12:03**
